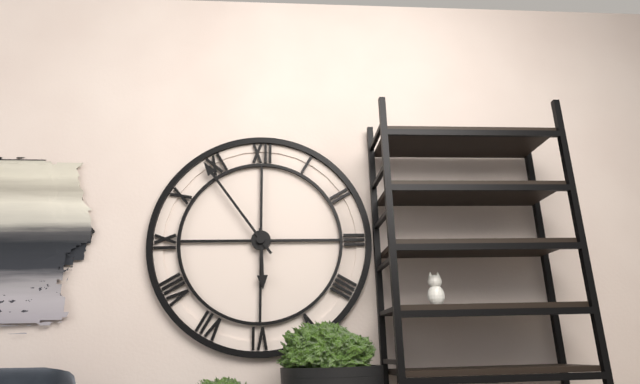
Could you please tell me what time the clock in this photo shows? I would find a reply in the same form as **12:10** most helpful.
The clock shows **5:54**
